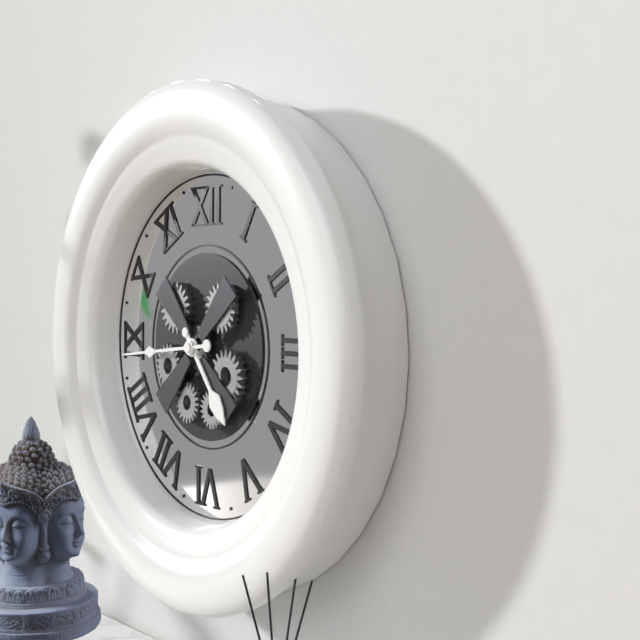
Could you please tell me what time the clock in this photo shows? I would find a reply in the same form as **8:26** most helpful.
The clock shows **4:44**
